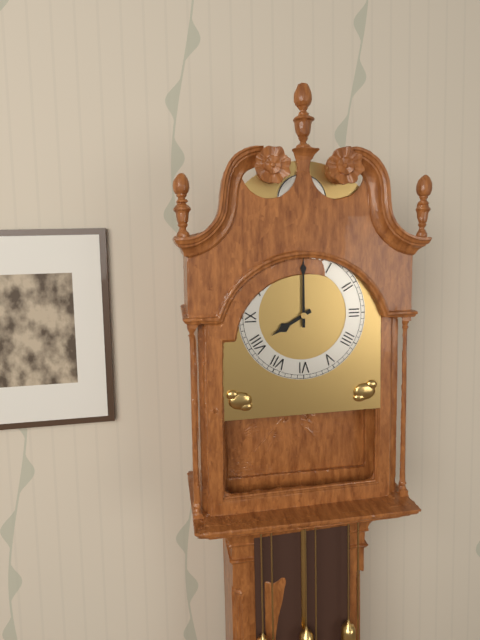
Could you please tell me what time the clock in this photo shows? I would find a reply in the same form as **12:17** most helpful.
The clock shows **8:00**
